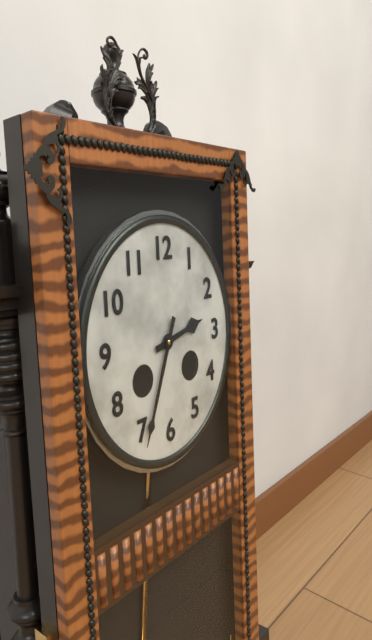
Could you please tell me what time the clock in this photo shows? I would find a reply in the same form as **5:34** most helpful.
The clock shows **2:34**
